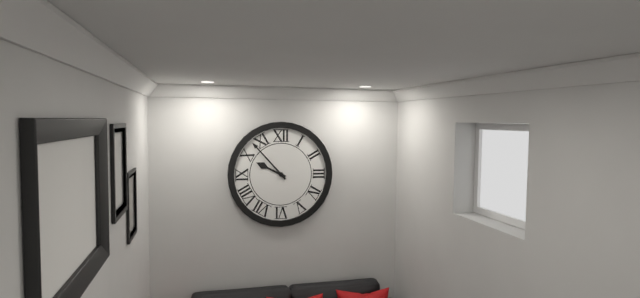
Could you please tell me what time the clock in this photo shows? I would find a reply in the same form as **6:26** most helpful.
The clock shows **9:53**
